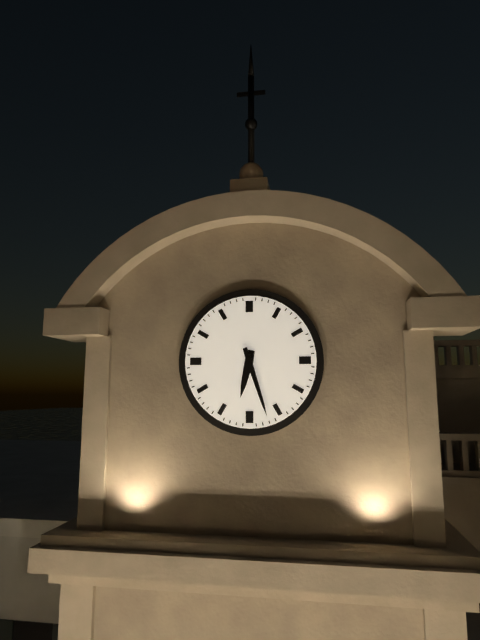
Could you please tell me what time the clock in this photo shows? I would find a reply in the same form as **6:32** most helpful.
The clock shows **6:27**
